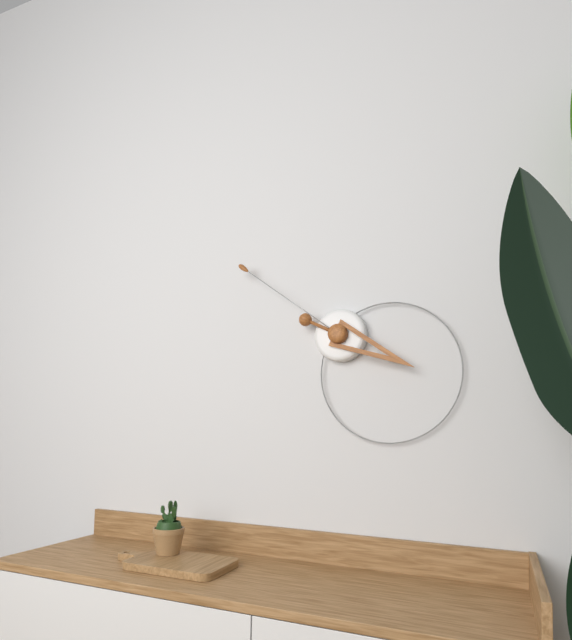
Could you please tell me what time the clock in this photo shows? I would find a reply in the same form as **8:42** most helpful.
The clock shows **3:51**
